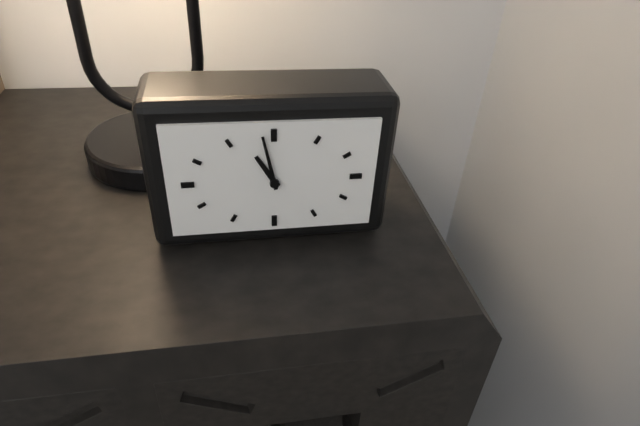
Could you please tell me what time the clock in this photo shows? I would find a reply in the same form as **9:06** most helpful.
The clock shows **10:58**
